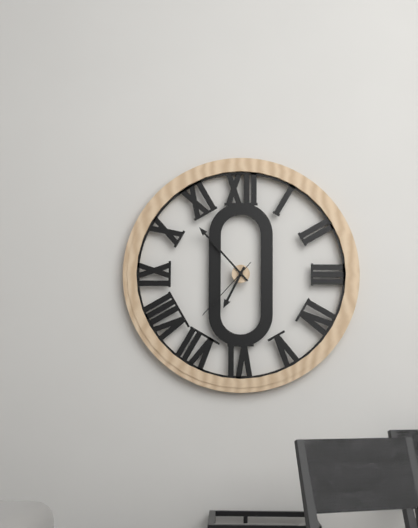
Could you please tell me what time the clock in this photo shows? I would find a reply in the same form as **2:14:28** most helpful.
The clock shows **6:53:37**
